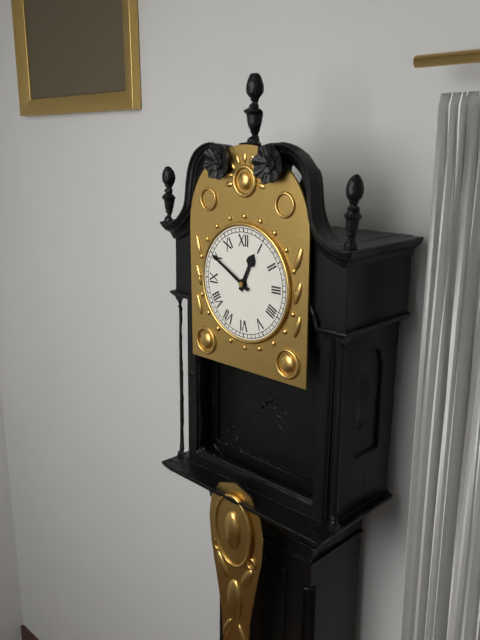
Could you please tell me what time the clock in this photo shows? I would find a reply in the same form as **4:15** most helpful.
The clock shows **12:50**
